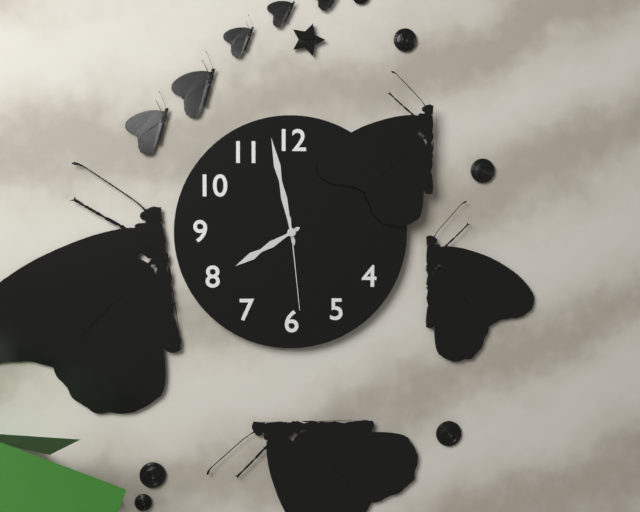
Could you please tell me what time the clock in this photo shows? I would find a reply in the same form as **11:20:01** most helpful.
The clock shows **7:58:29**
